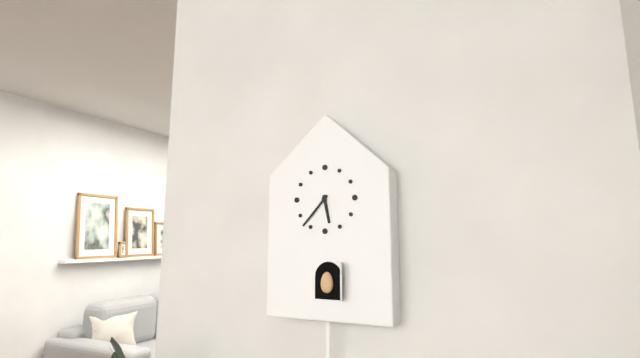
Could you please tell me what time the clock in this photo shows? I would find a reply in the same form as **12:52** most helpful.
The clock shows **5:37**
